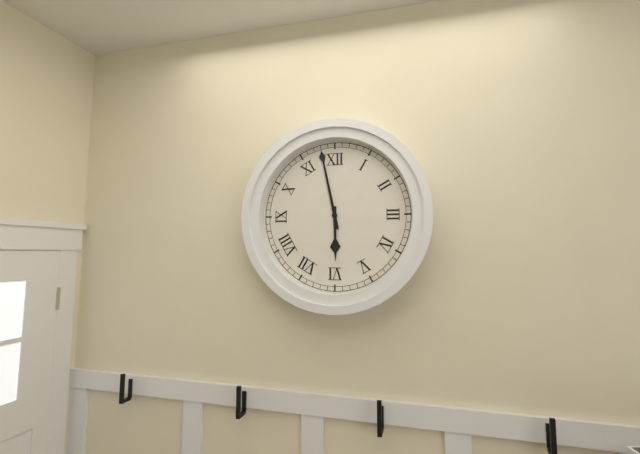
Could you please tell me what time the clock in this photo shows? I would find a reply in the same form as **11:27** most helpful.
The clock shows **5:58**
